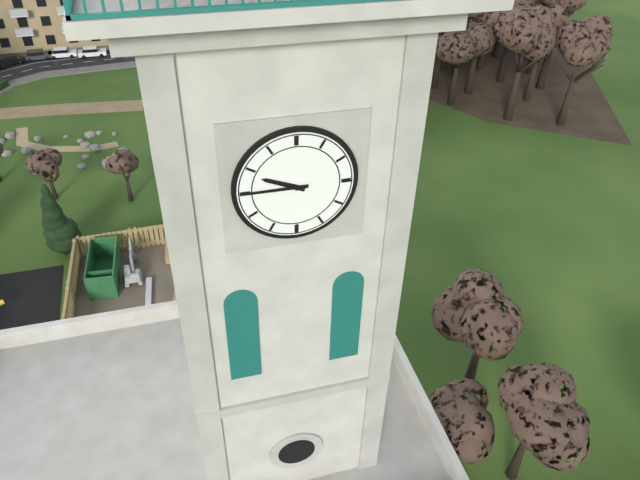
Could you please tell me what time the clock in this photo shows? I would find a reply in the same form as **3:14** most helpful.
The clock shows **9:45**
